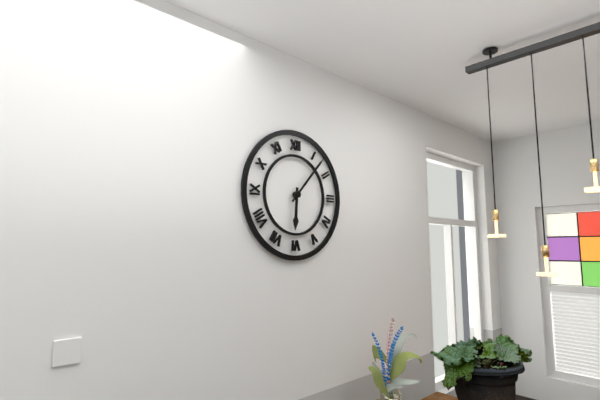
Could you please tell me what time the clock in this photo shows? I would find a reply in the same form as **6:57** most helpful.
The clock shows **6:07**
